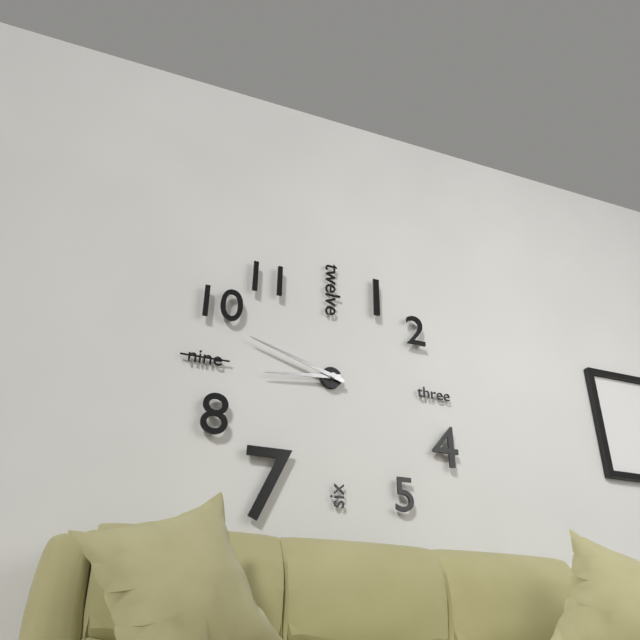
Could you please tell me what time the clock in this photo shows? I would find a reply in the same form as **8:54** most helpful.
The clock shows **8:48**
